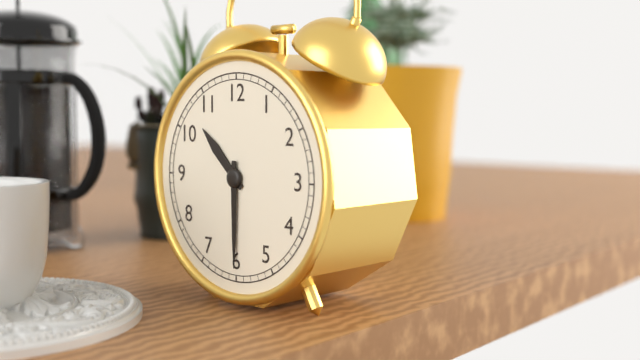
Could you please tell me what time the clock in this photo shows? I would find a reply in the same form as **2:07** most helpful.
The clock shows **10:30**
